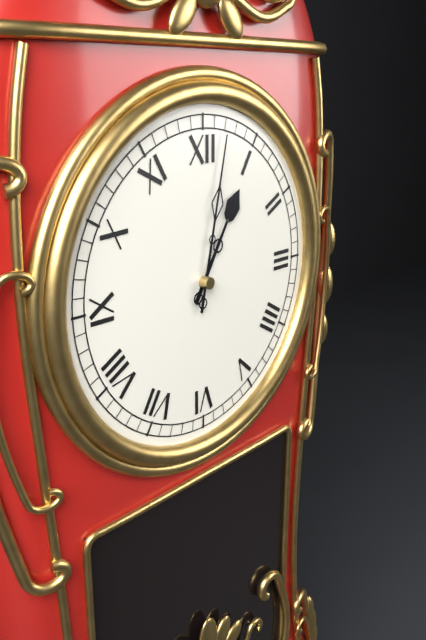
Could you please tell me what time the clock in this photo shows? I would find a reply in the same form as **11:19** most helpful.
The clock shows **1:02**
